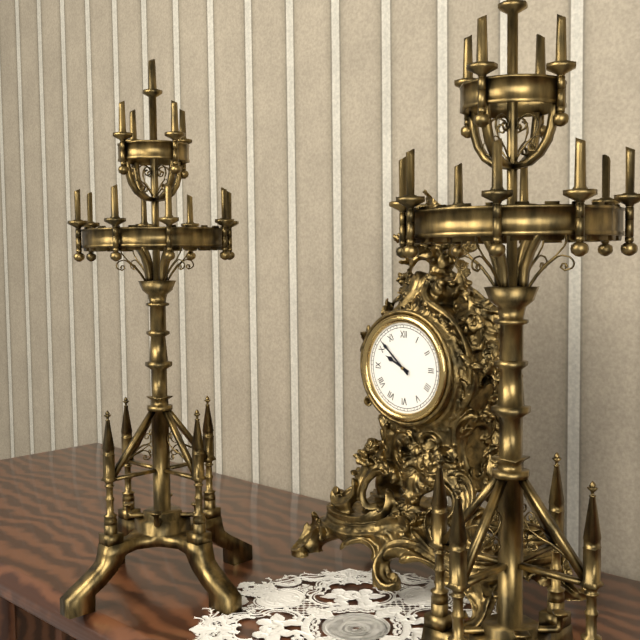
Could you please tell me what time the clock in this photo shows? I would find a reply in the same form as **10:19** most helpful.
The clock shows **9:52**
